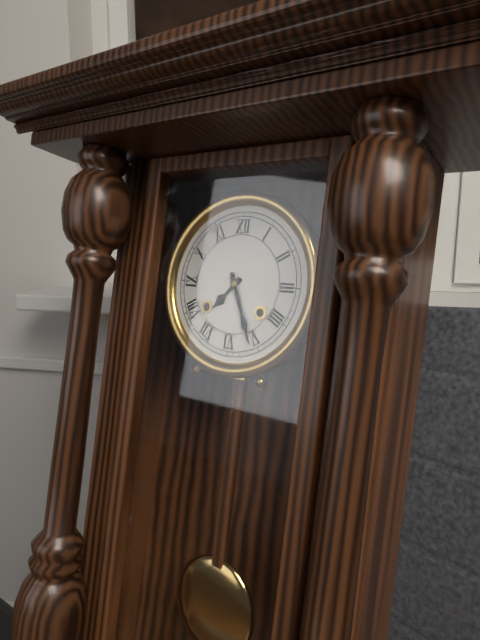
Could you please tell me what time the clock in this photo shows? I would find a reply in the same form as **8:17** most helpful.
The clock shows **7:26**
